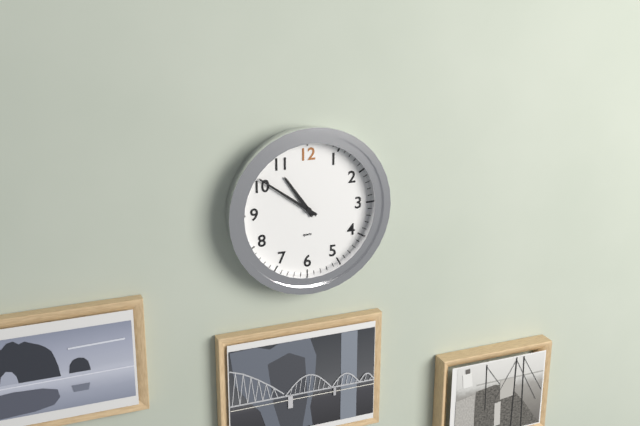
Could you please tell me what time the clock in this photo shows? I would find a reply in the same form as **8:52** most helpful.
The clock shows **10:51**
